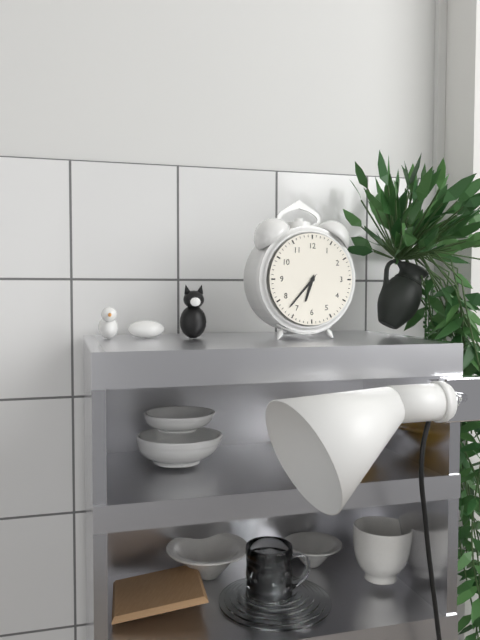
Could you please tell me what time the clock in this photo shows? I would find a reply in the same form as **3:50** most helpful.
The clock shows **6:37**
